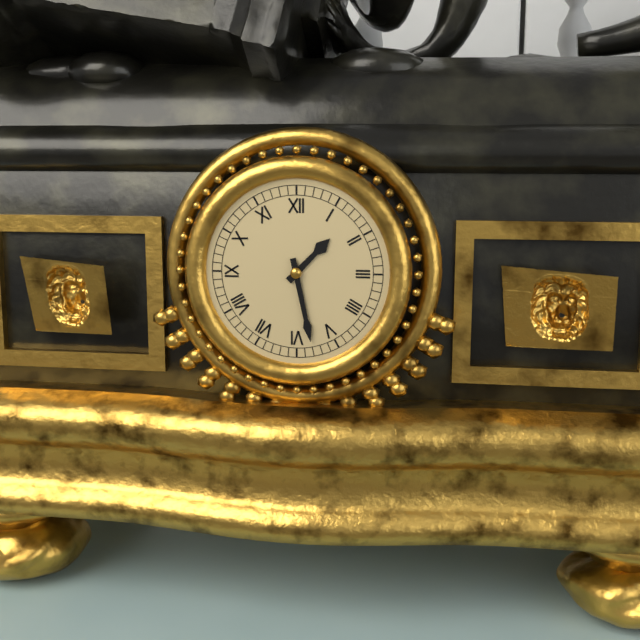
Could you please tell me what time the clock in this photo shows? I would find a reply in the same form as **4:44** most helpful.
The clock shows **1:28**
